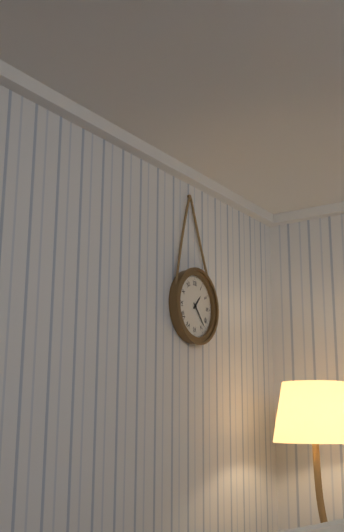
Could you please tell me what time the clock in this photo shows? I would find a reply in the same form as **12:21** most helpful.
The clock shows **1:23**
